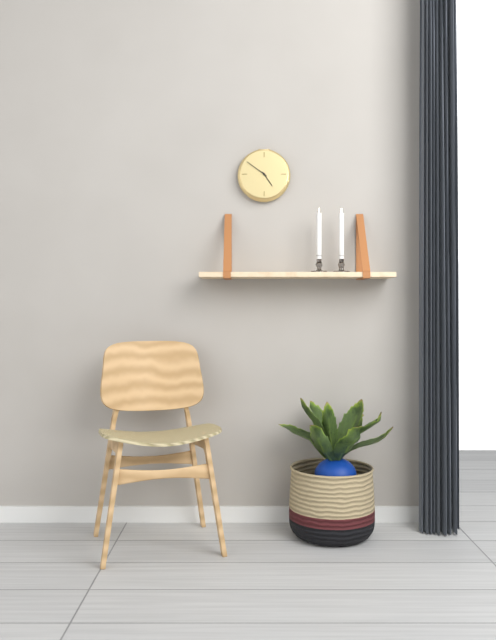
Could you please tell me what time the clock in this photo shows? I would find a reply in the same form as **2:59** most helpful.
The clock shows **4:51**
